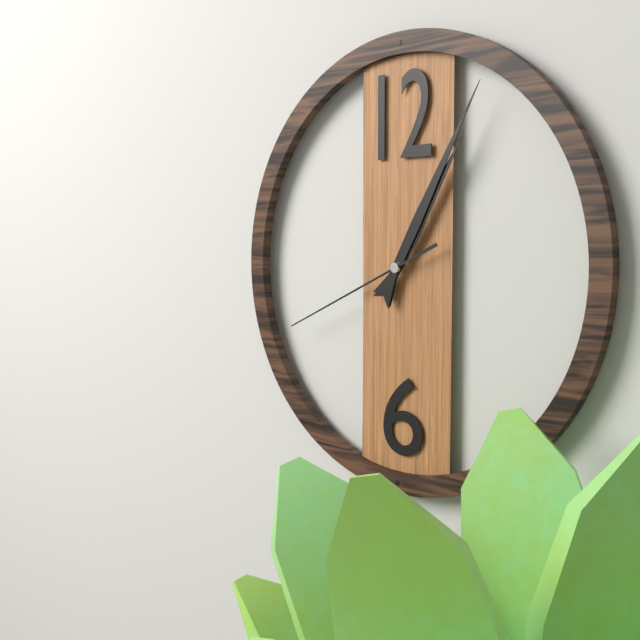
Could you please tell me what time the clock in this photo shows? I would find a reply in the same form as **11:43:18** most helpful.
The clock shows **1:05:41**
